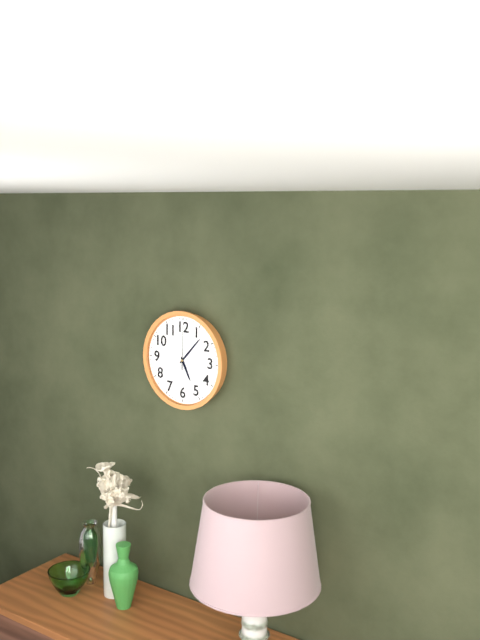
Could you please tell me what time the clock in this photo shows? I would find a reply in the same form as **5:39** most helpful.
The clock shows **5:07**
